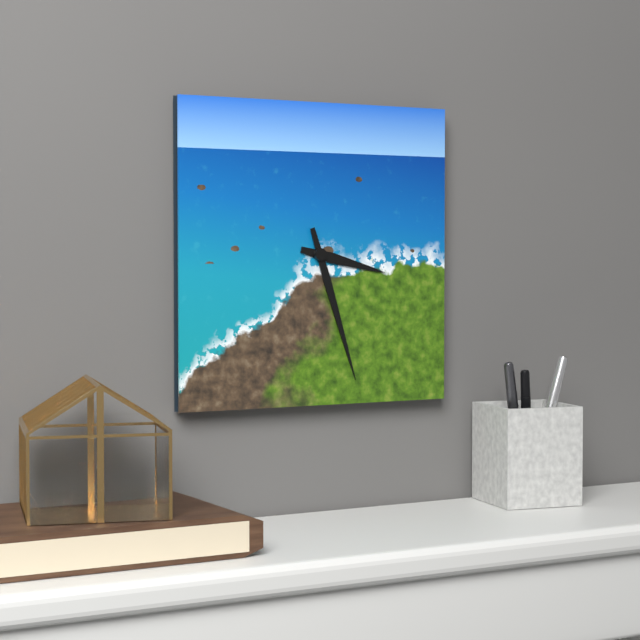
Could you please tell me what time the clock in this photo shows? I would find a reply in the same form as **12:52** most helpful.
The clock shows **3:27**
